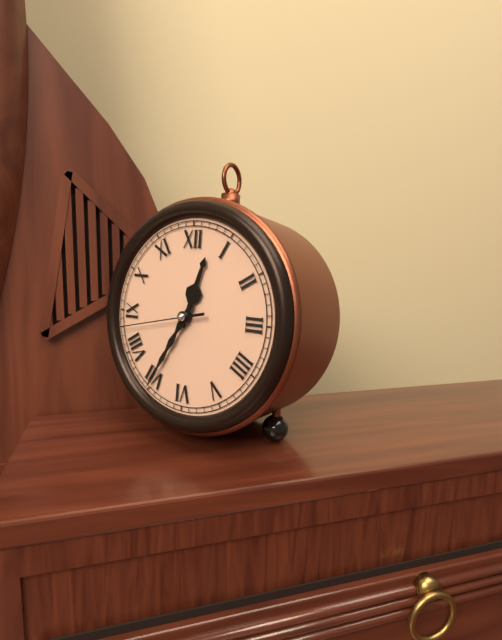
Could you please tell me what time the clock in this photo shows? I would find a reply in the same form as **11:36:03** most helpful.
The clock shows **12:35:43**
